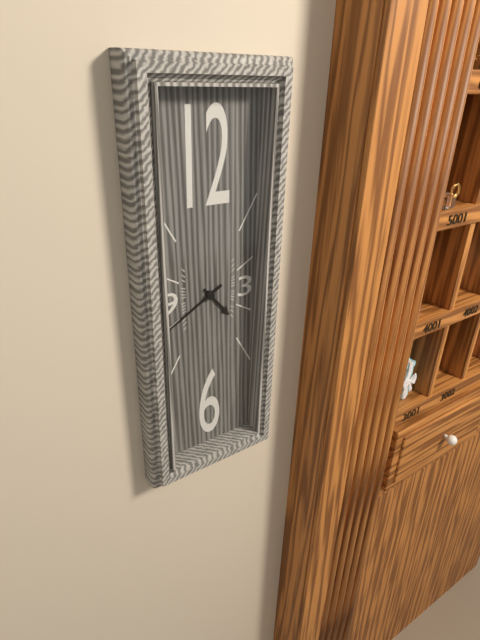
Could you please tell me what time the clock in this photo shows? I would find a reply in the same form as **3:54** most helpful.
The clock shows **4:40**
